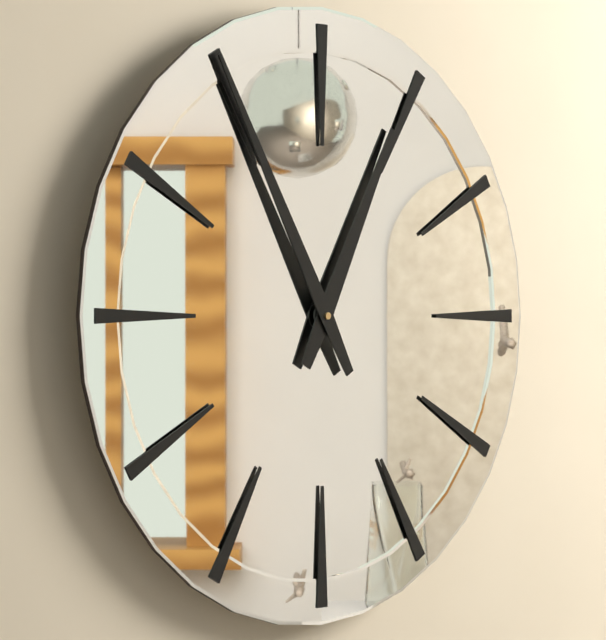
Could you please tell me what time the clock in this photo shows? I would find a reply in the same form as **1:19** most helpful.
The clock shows **12:55**
